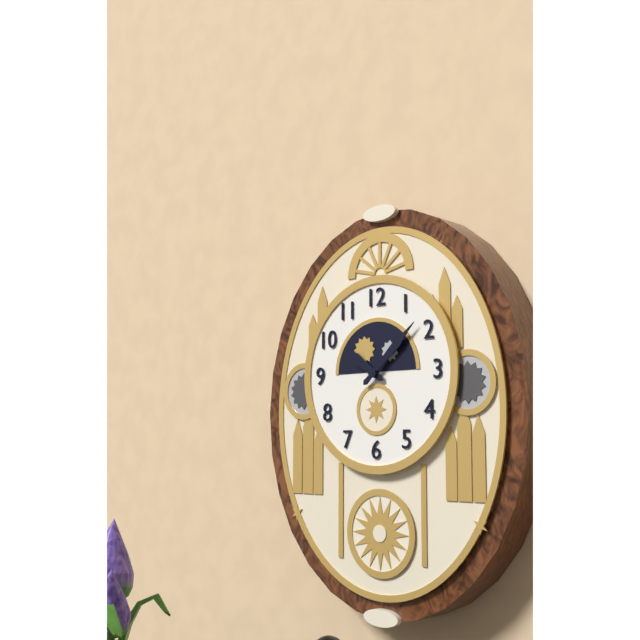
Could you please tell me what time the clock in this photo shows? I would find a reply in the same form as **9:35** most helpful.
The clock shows **10:08**
